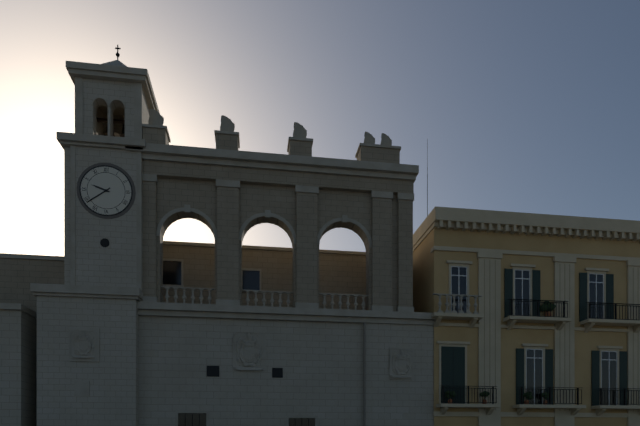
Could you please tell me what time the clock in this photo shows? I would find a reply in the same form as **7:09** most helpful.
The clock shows **9:39**
